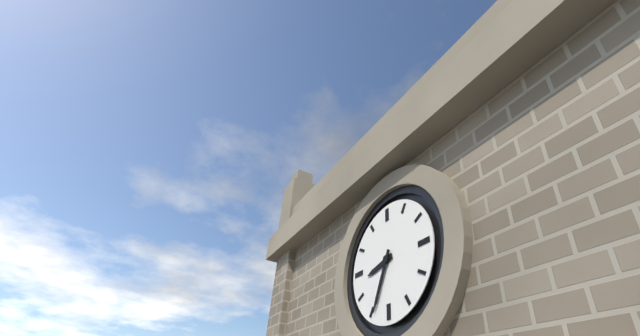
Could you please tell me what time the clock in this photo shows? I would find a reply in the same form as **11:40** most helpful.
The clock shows **8:34**
